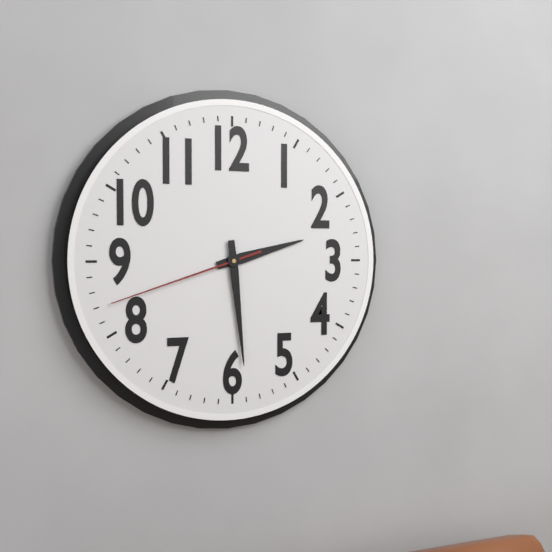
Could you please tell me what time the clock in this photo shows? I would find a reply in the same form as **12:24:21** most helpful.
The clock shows **2:29:42**
